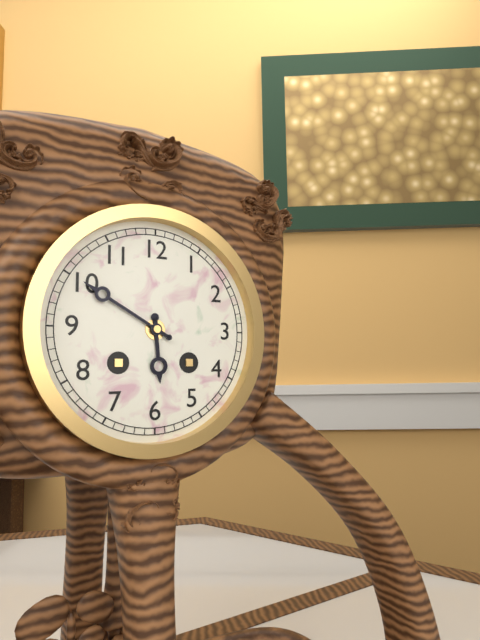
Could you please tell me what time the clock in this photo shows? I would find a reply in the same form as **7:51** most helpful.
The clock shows **5:50**
